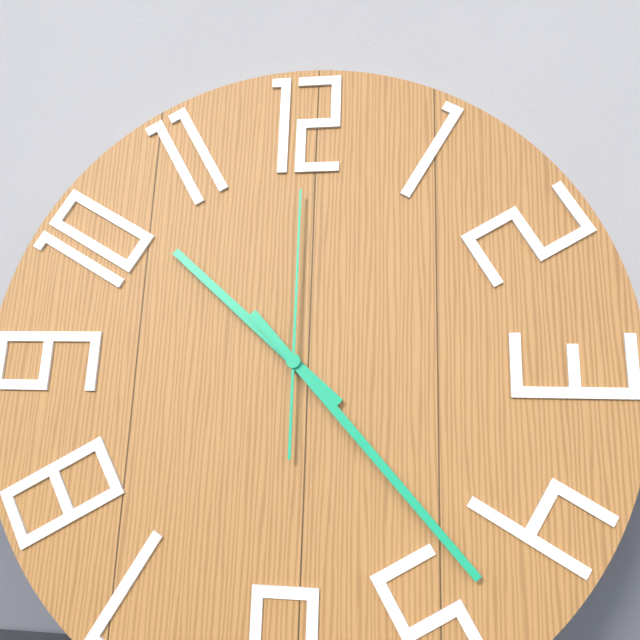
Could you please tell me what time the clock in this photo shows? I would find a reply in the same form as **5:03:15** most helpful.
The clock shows **10:23:00**
